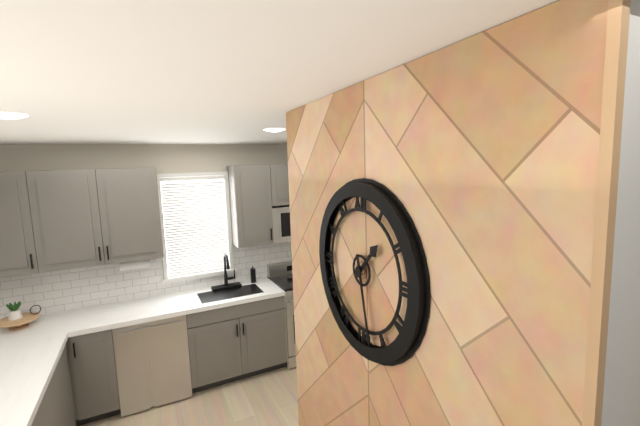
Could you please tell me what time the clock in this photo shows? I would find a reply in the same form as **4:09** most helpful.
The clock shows **1:28**
